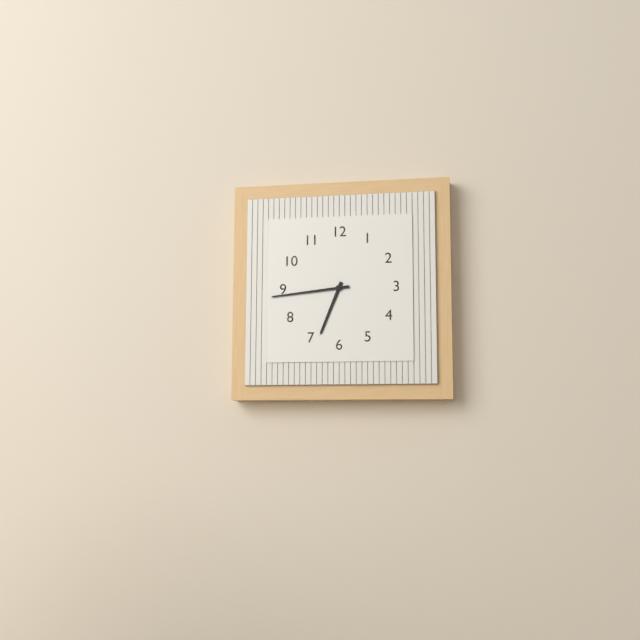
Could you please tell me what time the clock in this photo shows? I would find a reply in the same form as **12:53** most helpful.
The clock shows **6:44**
